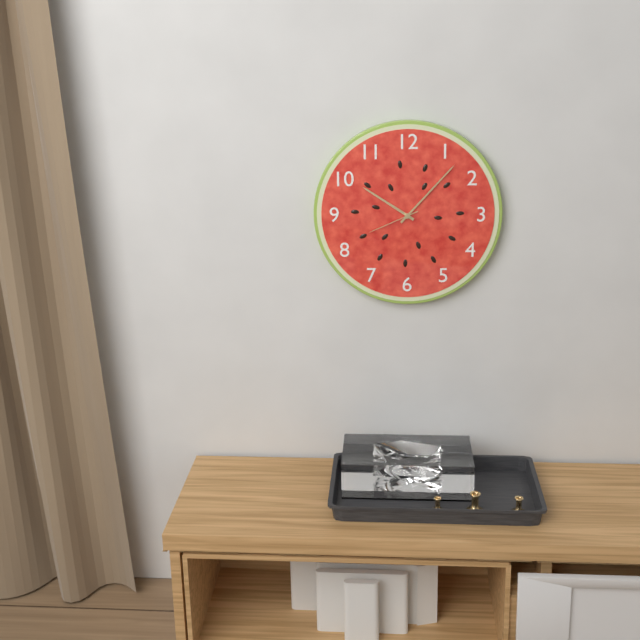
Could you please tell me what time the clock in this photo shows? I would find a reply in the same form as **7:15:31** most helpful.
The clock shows **10:07:41**
